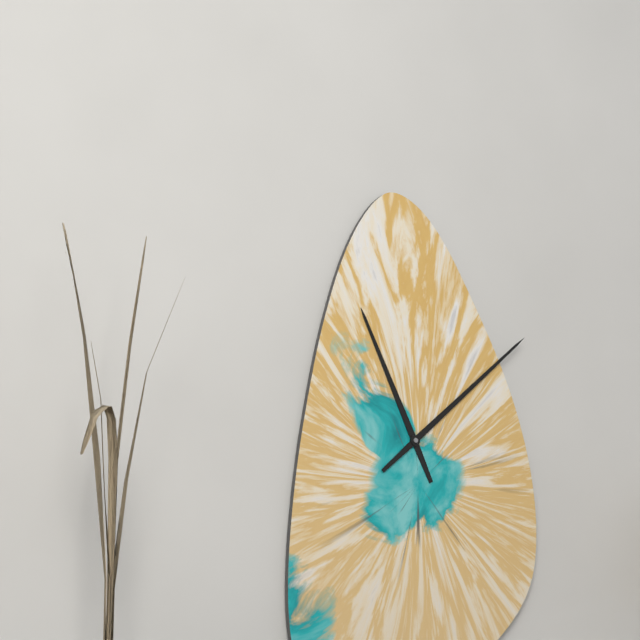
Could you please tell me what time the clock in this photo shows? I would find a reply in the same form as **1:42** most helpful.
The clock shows **11:08**
